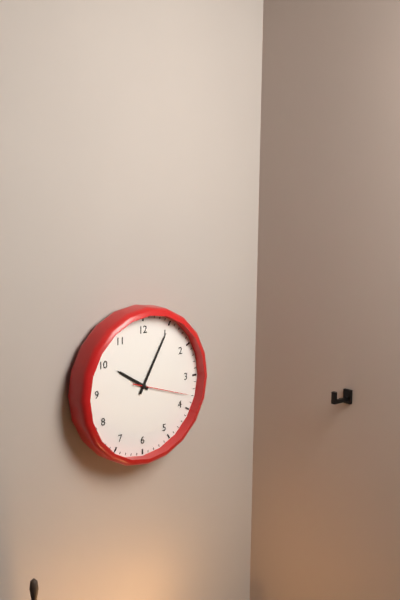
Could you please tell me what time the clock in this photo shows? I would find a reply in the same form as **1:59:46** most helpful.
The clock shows **10:05:18**
